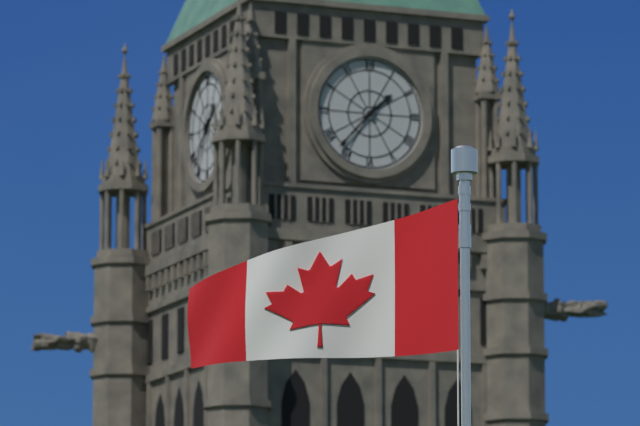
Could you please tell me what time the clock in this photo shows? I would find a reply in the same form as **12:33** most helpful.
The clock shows **1:37**
